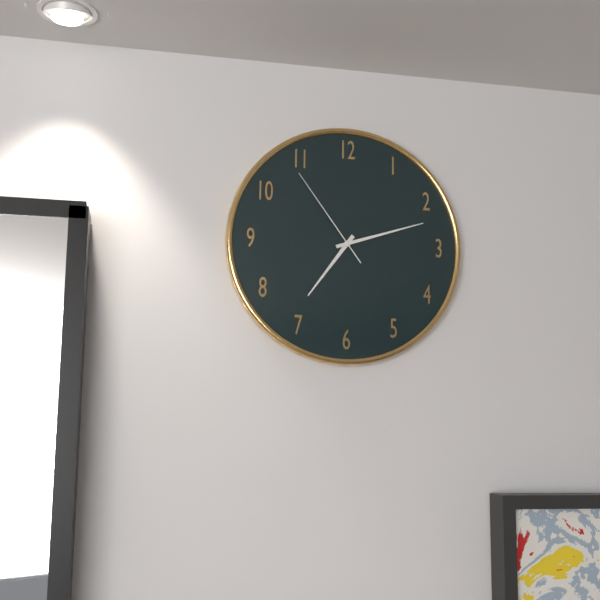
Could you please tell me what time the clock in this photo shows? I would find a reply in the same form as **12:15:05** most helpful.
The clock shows **7:12:54**
